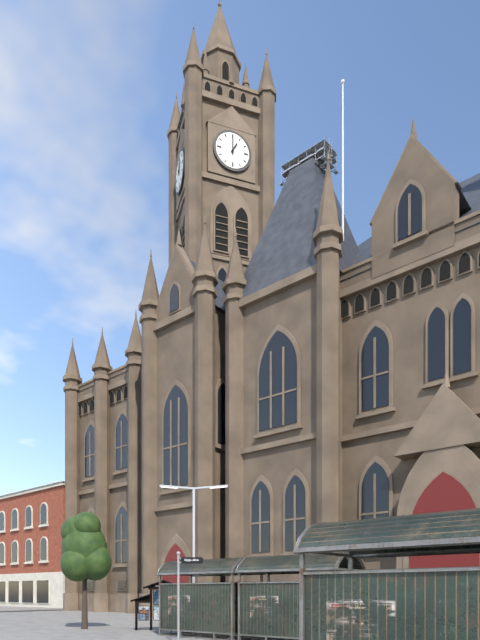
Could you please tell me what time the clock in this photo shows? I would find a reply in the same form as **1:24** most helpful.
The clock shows **1:00**
